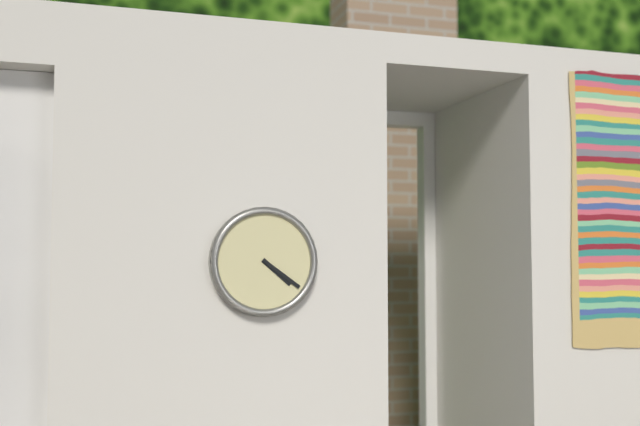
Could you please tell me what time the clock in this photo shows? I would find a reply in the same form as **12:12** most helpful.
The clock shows **4:21**
